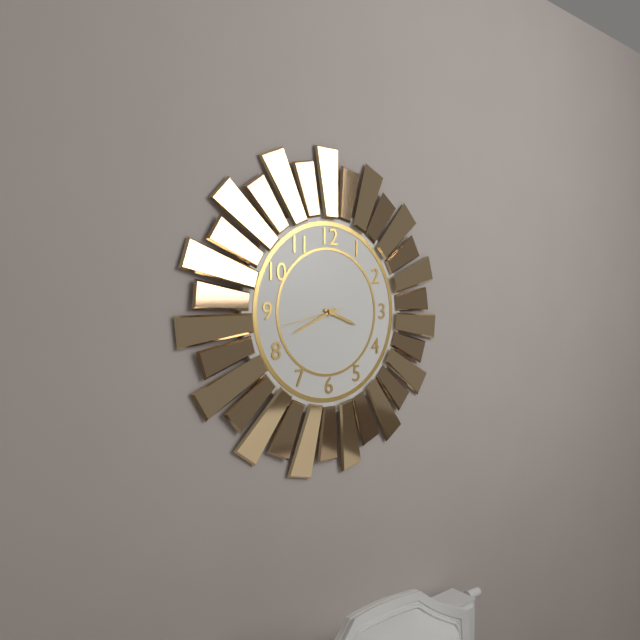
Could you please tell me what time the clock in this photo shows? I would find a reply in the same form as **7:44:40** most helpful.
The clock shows **3:41:43**
